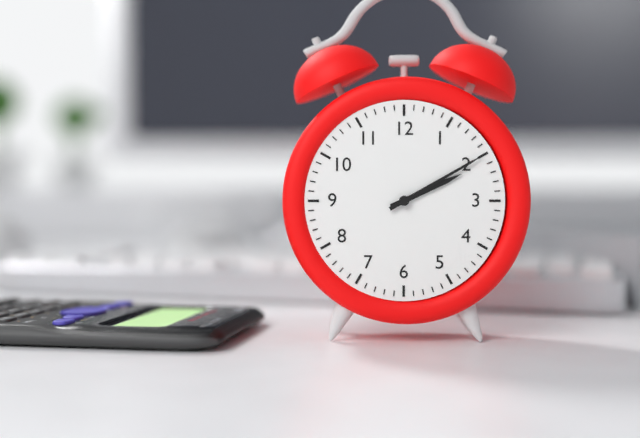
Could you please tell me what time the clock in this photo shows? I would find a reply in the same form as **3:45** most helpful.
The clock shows **2:10**
